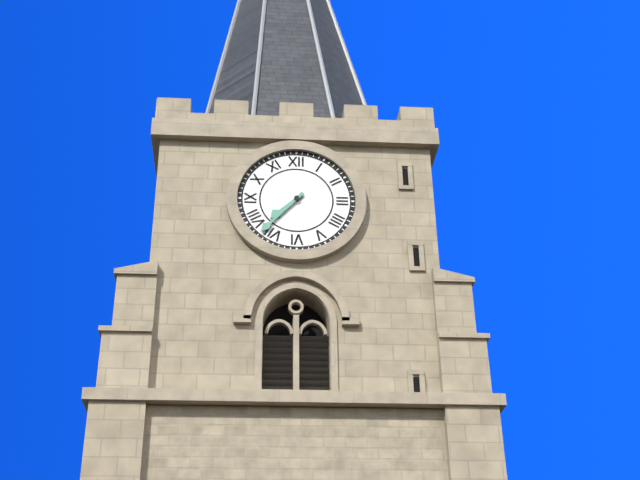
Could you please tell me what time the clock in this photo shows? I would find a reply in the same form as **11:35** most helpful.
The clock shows **7:37**
